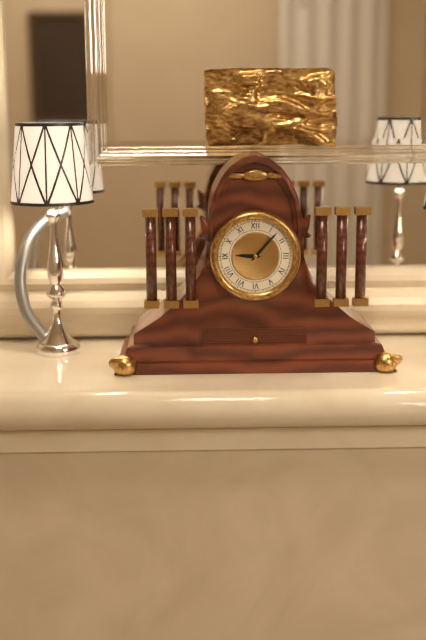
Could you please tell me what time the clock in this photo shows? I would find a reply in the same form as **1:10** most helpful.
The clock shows **9:07**
